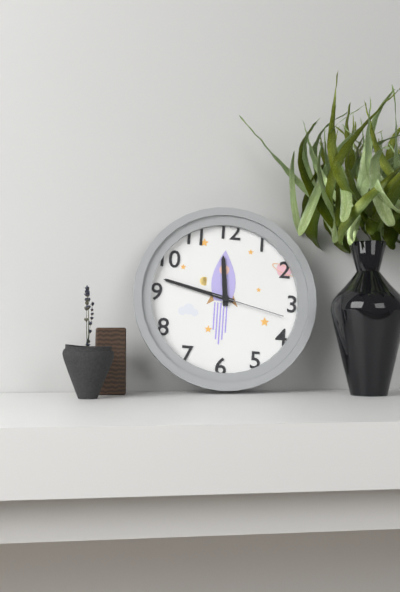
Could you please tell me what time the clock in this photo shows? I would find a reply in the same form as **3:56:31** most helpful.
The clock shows **11:47:17**
